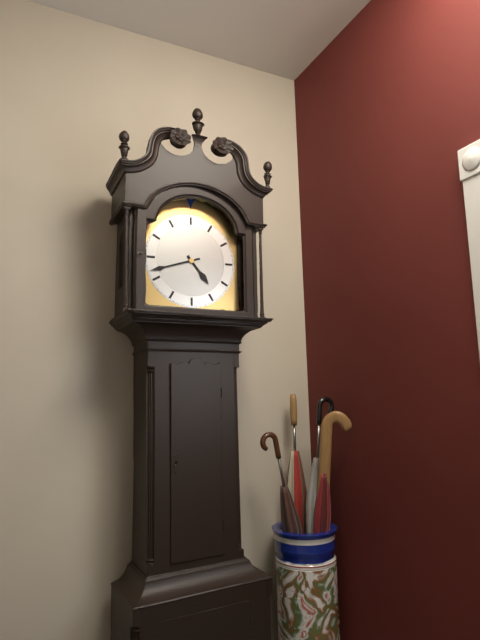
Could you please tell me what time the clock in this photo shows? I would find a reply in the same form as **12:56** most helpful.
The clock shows **4:42**
